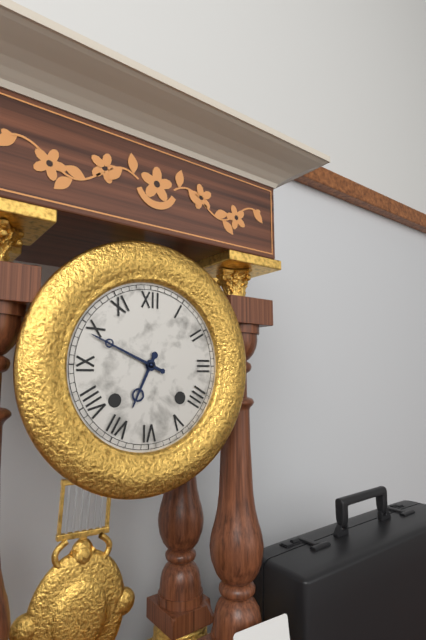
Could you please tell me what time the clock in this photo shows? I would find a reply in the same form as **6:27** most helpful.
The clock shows **6:49**
